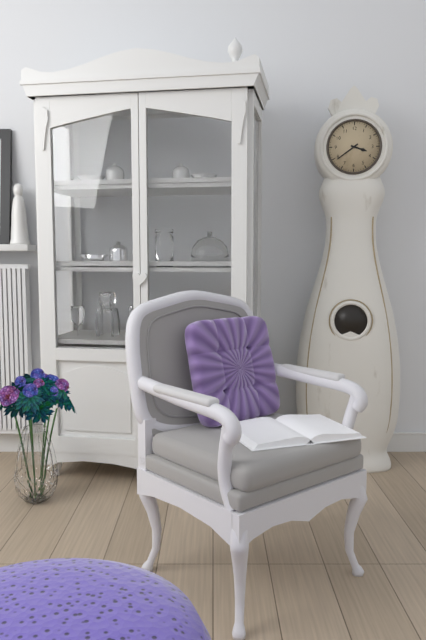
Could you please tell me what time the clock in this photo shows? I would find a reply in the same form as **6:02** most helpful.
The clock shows **3:39**
